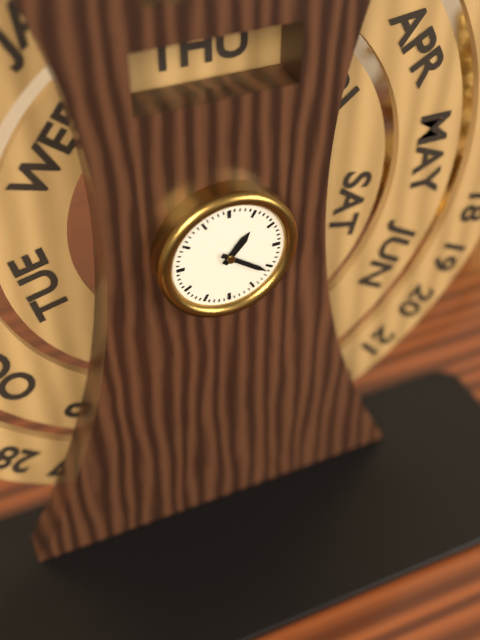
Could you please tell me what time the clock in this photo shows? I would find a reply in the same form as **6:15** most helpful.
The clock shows **1:21**
